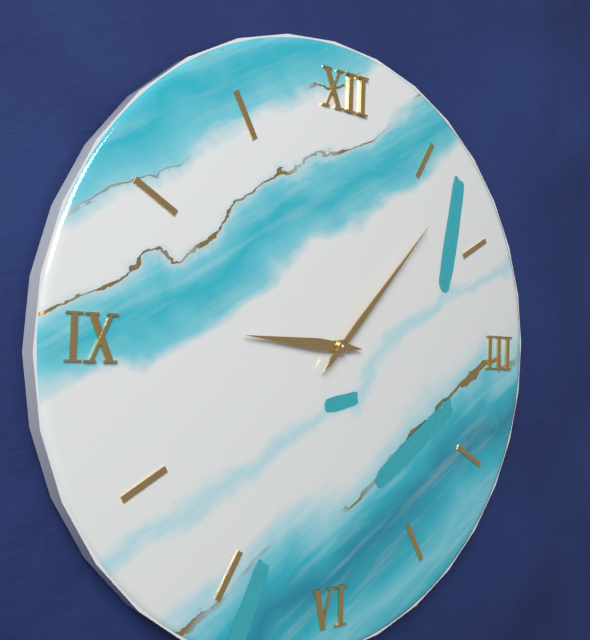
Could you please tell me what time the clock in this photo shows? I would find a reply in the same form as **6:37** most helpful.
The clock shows **9:07**
